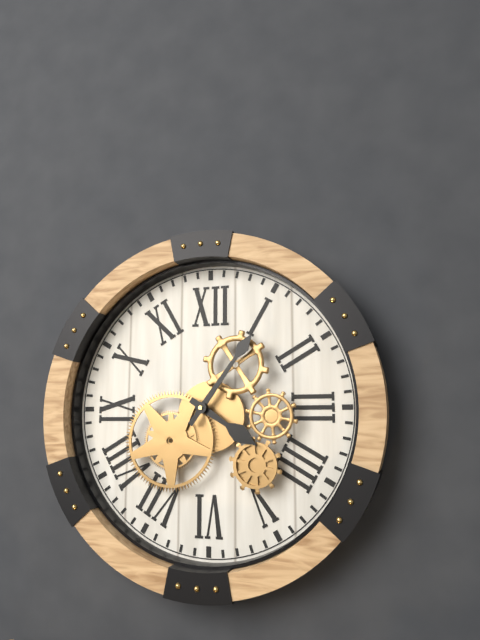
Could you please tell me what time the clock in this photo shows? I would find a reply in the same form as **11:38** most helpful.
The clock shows **4:06**
